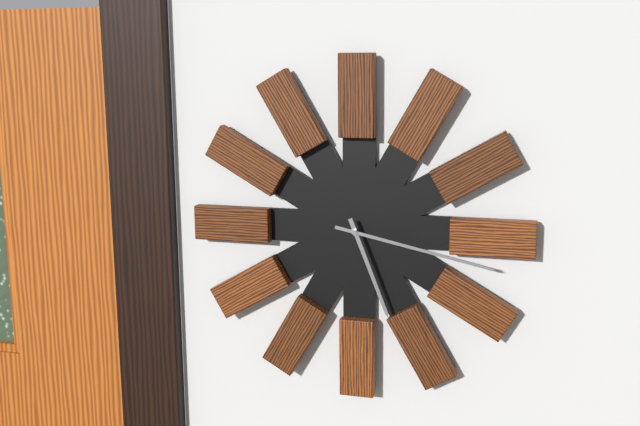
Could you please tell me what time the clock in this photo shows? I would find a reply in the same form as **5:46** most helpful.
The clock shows **5:17**
